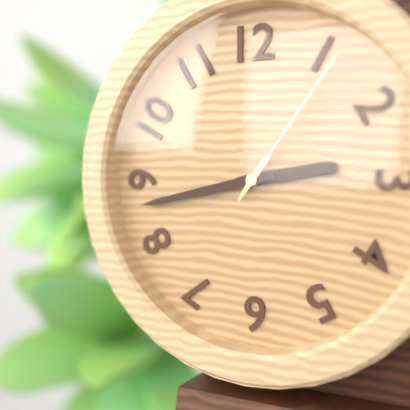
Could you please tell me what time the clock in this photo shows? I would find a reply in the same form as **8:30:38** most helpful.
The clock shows **2:43:06**
